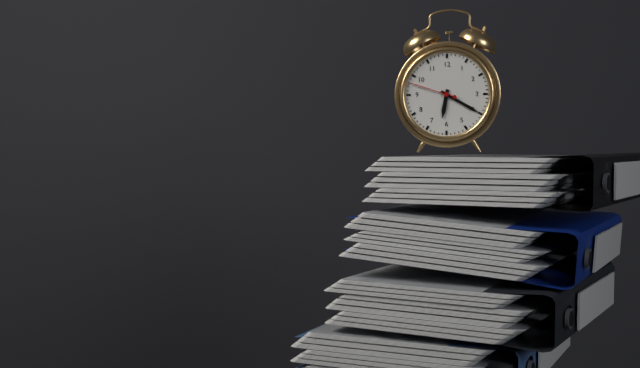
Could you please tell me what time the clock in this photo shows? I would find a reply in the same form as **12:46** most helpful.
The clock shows **6:20**
